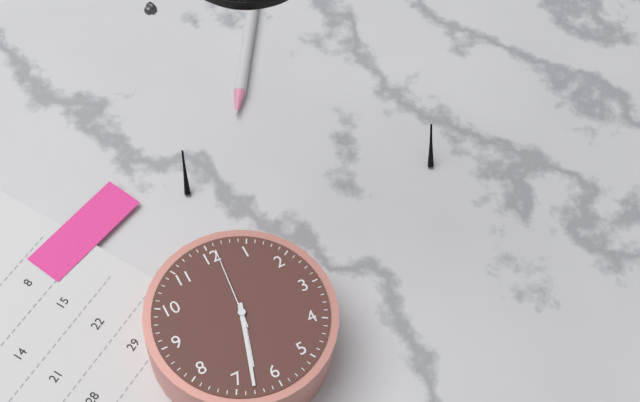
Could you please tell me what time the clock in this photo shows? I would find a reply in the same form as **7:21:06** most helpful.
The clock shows **6:33:01**
